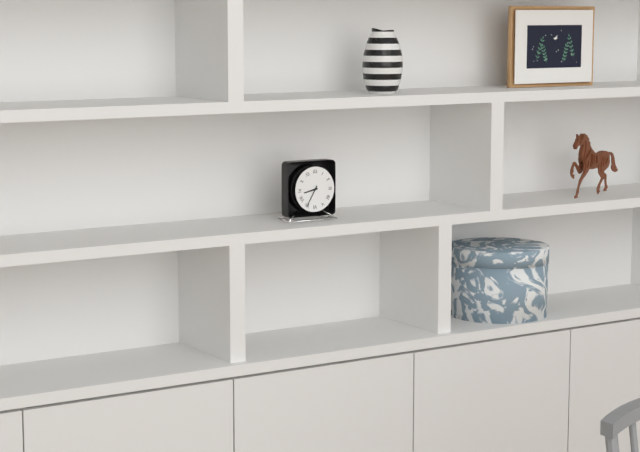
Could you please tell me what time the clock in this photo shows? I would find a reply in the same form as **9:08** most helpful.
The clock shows **8:35**
